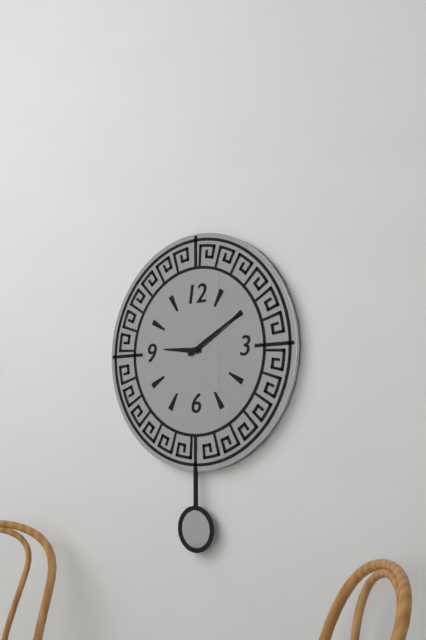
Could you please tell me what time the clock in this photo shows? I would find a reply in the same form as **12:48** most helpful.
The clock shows **9:10**
